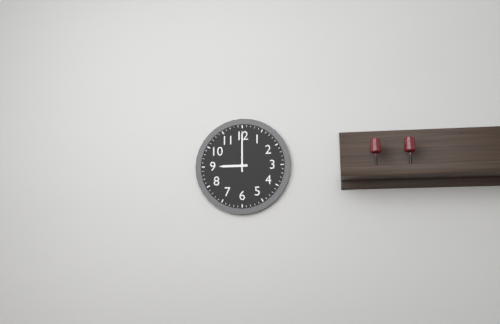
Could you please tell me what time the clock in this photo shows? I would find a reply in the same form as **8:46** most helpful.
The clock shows **9:00**
